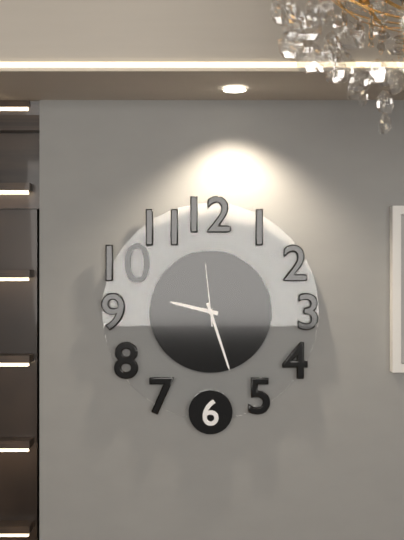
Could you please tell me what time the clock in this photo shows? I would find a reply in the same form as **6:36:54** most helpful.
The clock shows **9:27:59**
